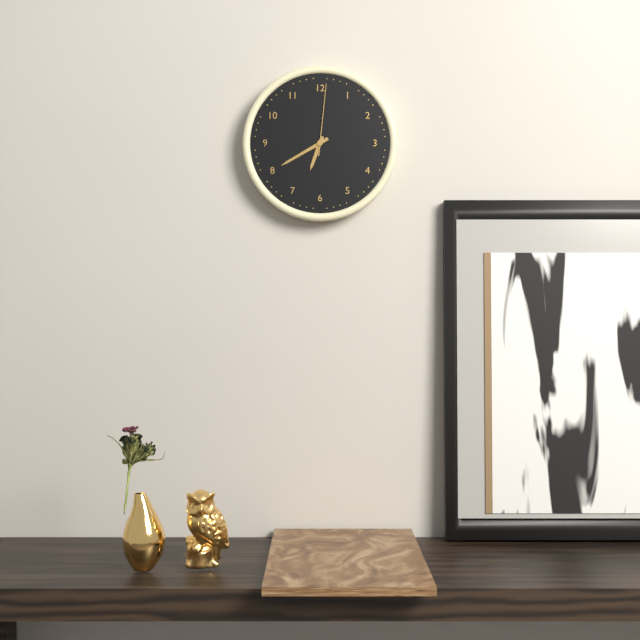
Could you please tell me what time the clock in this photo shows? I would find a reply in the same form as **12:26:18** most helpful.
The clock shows **6:40:01**
